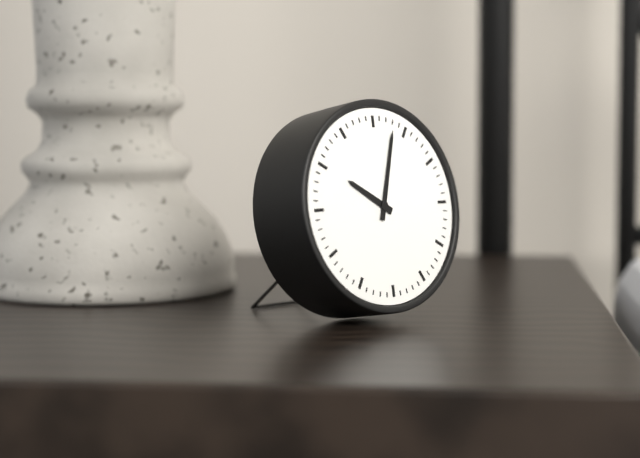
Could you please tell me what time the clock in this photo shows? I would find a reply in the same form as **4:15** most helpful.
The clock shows **10:03**
